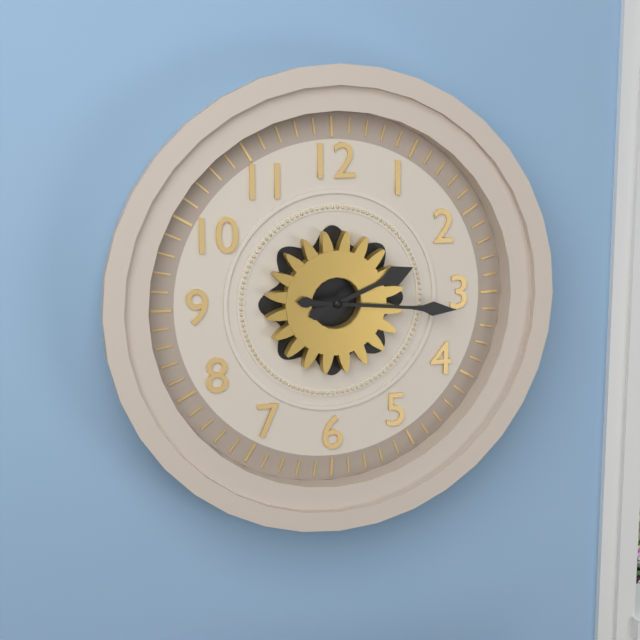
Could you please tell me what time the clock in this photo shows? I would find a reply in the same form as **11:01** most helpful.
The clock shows **2:16**
